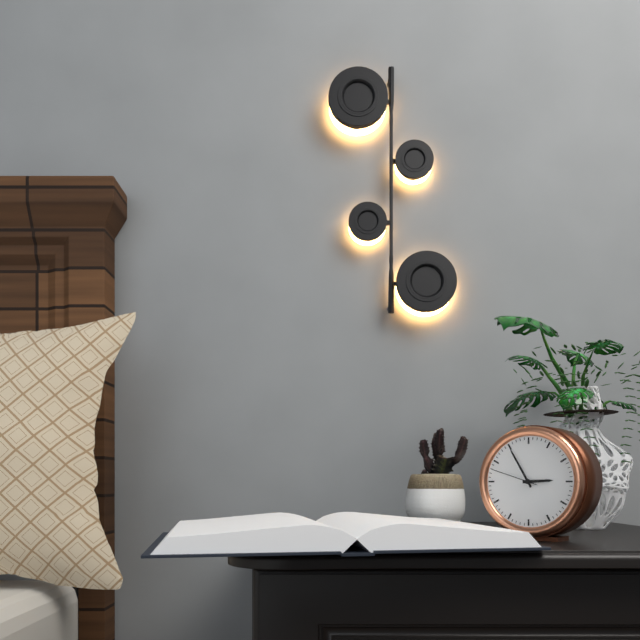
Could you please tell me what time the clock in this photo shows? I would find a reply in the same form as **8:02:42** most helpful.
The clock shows **2:55:48**
